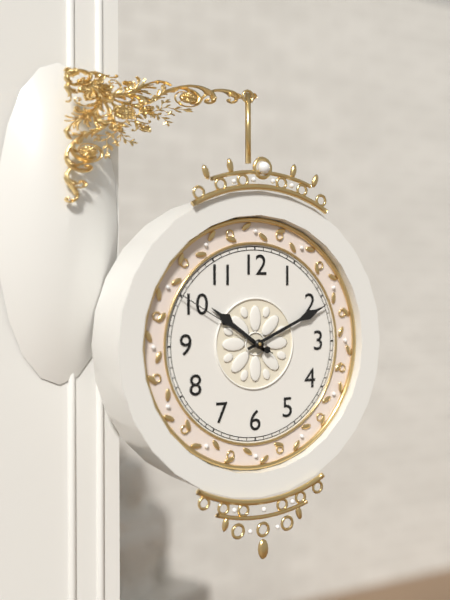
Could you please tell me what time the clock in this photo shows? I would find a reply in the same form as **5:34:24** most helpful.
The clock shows **10:11:50**
